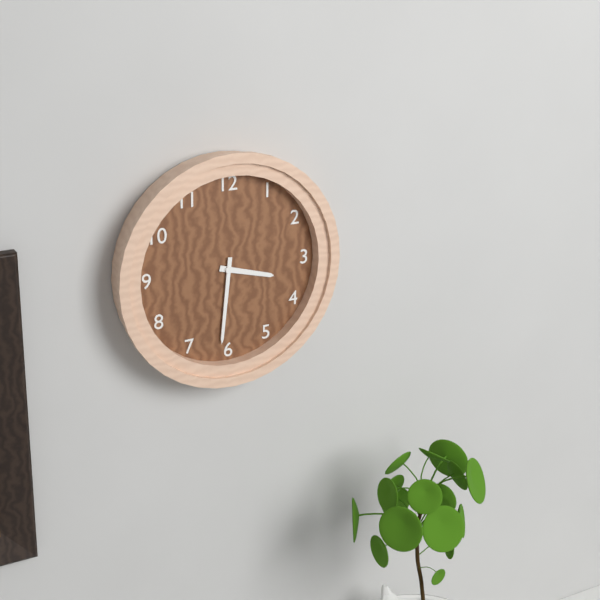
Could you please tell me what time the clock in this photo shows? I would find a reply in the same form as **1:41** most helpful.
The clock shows **3:31**
